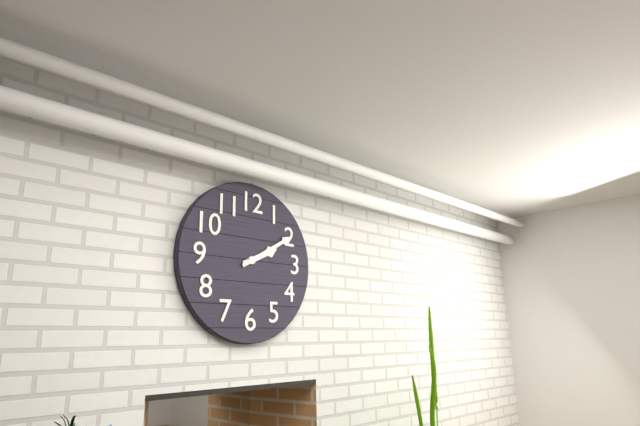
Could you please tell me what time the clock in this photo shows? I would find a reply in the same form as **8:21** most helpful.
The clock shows **2:10**
